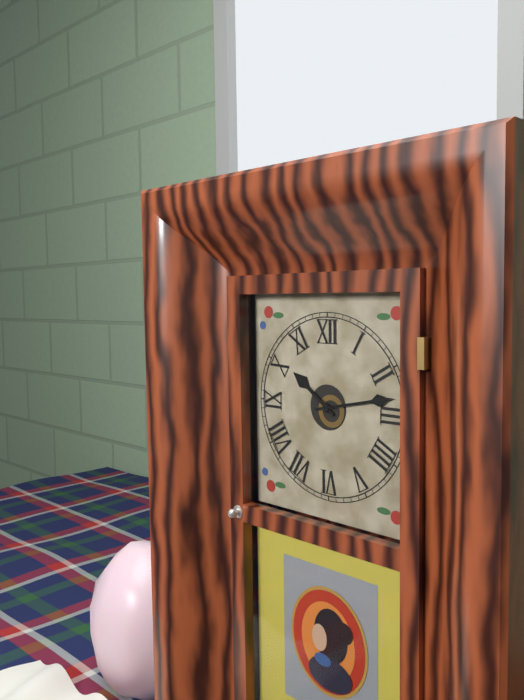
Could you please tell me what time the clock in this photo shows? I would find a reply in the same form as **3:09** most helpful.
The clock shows **10:13**
